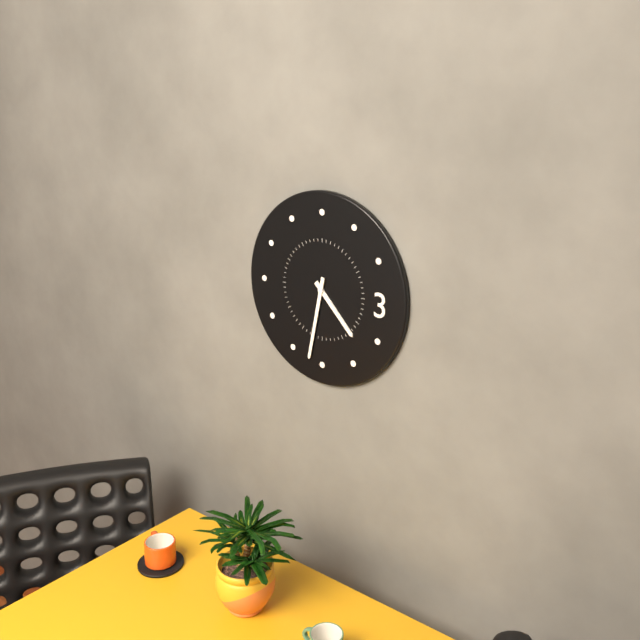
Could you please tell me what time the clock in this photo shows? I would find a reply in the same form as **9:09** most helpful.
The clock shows **4:32**
